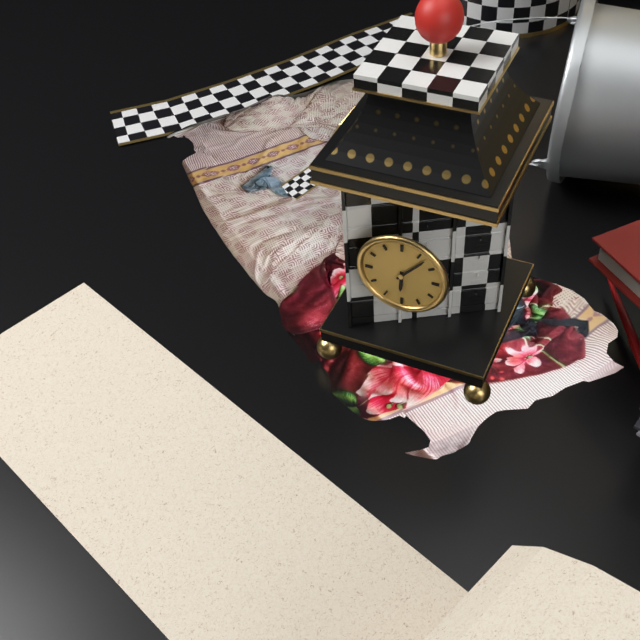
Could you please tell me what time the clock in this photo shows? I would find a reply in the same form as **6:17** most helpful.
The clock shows **6:07**
